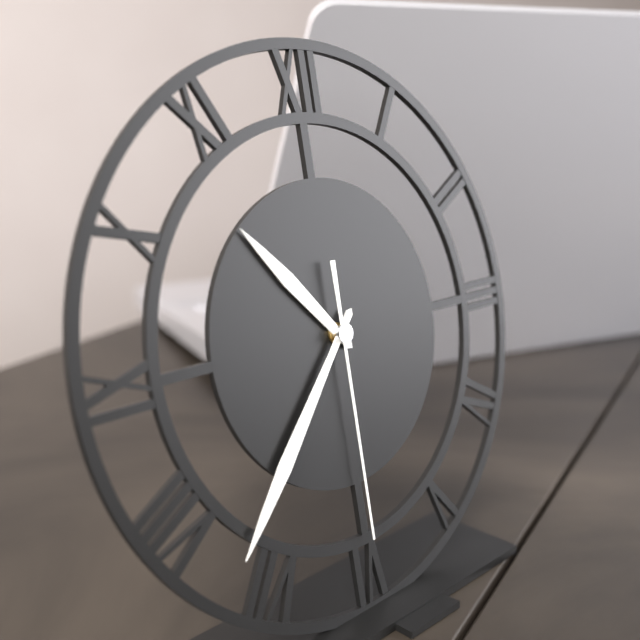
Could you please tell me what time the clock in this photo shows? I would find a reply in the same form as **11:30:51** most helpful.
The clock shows **10:37:30**
